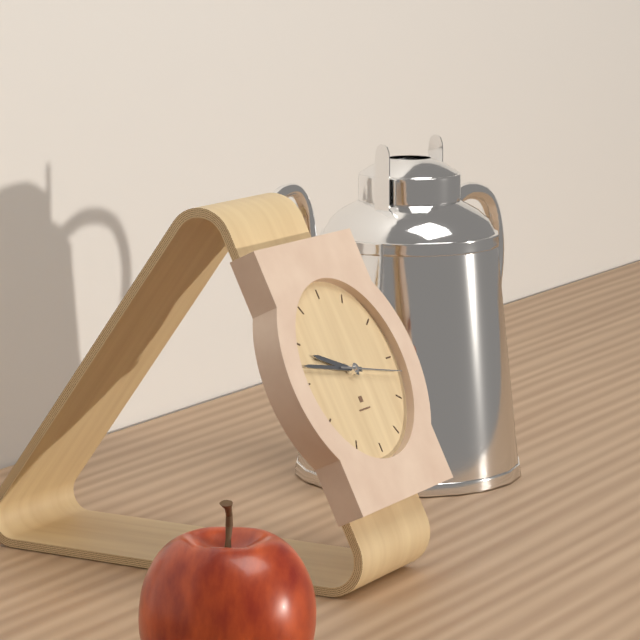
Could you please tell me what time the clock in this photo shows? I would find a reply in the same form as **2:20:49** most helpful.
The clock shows **9:47:17**
